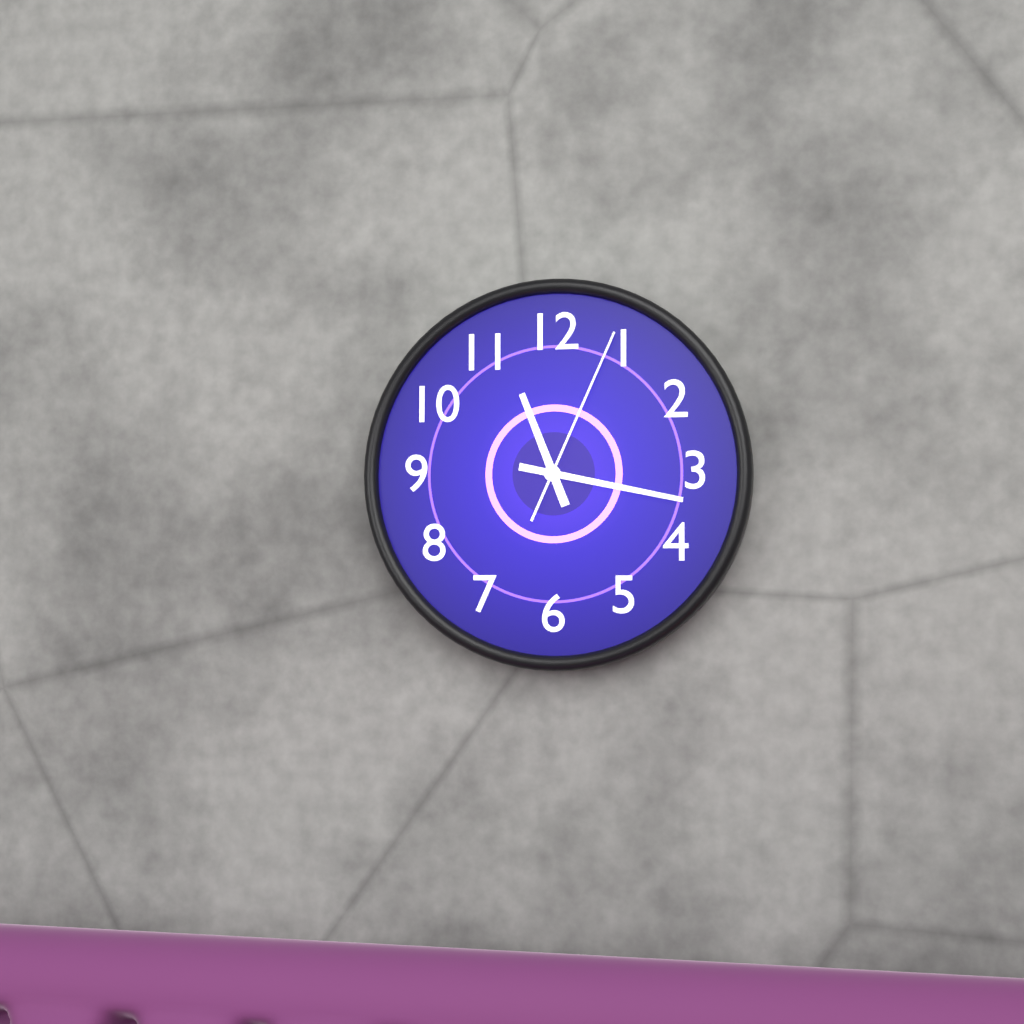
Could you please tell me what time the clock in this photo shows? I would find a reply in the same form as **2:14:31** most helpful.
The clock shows **11:17:04**
